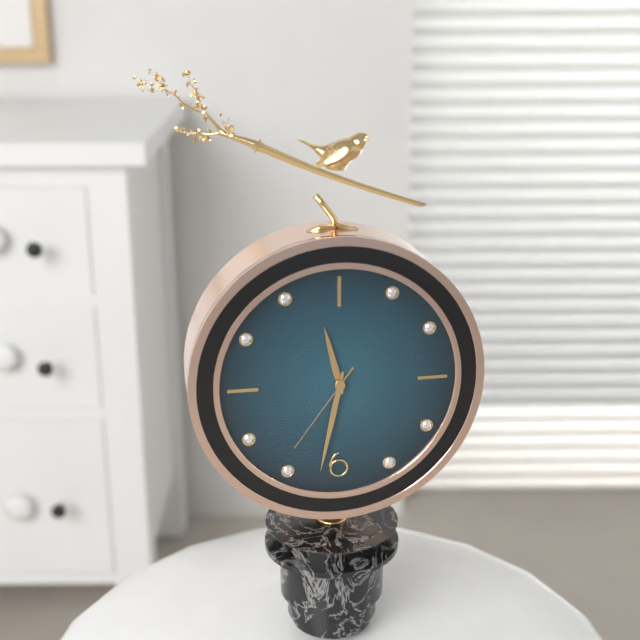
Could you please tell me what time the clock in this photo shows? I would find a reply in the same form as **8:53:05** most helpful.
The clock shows **11:32:36**
